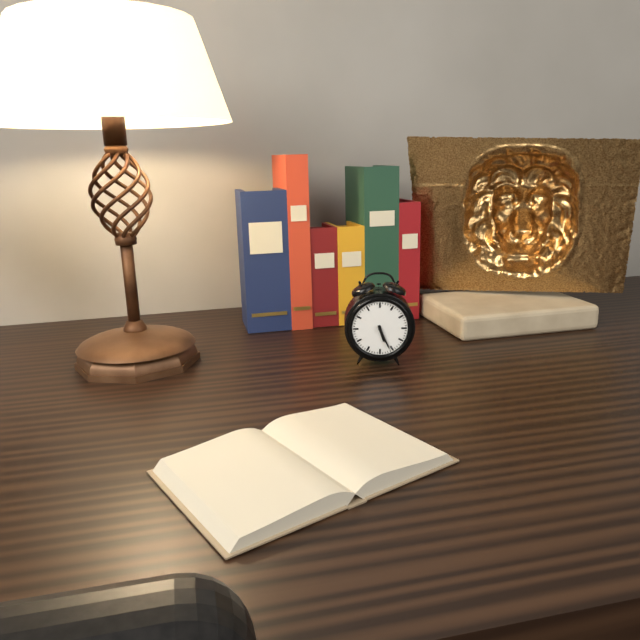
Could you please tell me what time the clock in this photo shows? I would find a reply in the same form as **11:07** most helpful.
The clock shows **5:26**
